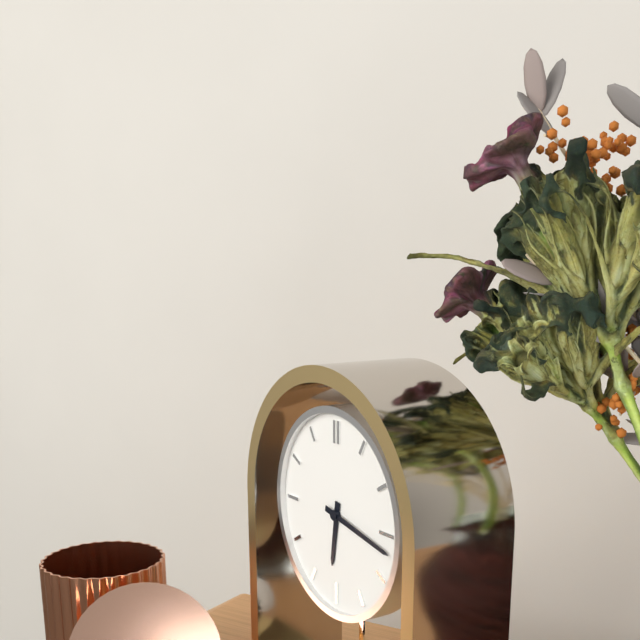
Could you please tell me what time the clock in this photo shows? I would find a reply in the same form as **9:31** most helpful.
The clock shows **6:17**
